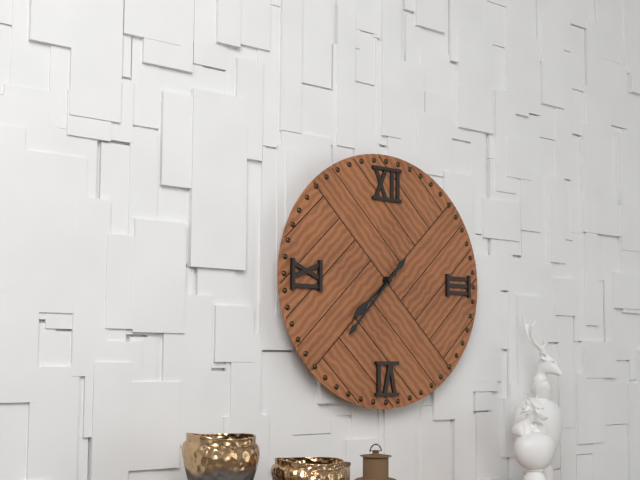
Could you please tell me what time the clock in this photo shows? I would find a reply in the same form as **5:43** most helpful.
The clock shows **7:37**
